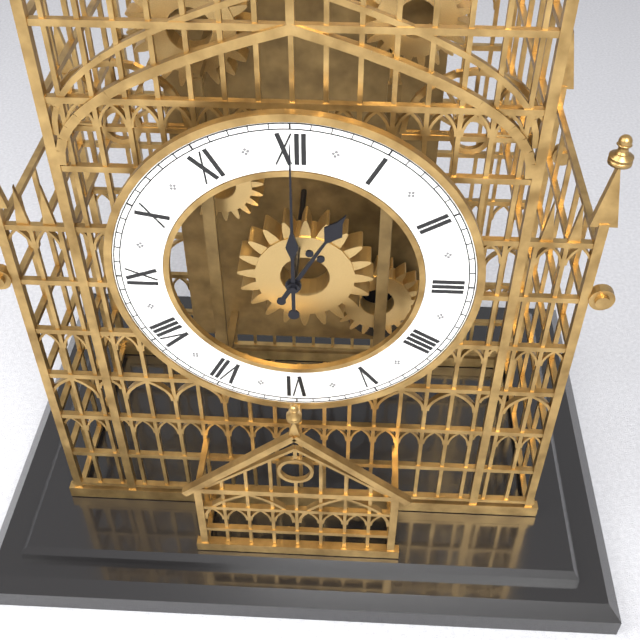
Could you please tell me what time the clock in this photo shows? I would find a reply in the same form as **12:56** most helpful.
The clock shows **1:00**
